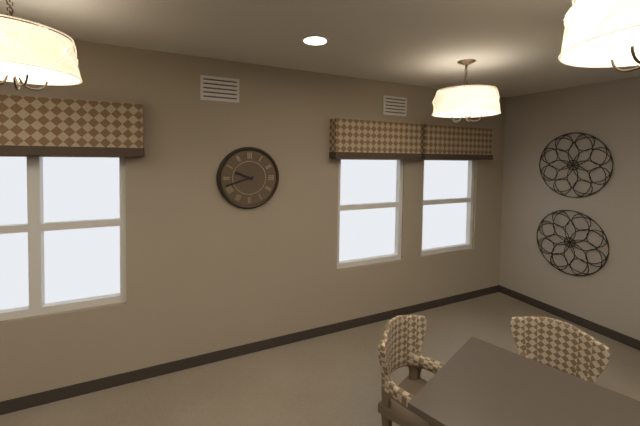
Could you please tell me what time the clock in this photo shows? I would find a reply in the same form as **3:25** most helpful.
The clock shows **9:42**
